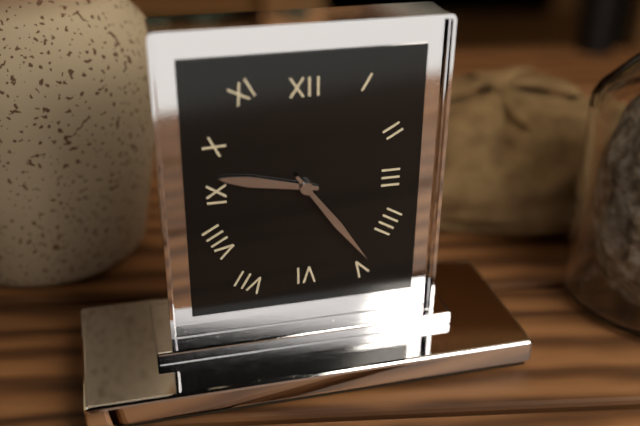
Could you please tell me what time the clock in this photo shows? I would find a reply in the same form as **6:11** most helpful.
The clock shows **9:24**
